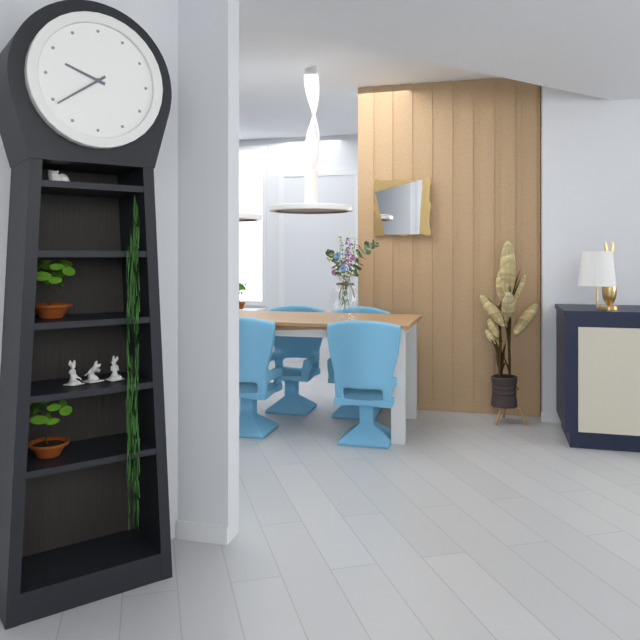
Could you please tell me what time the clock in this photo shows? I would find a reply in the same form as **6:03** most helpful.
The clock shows **9:39**
